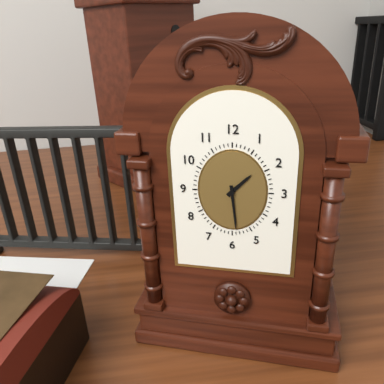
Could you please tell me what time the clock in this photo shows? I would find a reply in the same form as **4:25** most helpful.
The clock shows **1:29**
